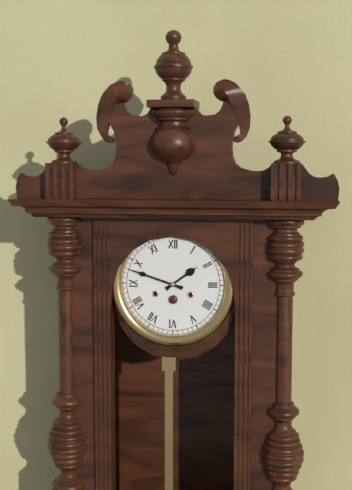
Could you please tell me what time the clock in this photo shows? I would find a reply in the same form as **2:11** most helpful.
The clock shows **1:48**
